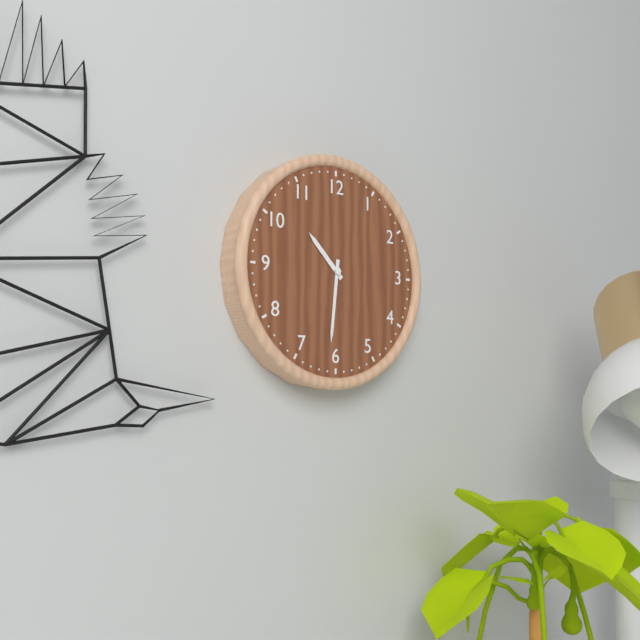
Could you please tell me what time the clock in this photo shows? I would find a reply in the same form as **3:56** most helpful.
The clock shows **10:31**
